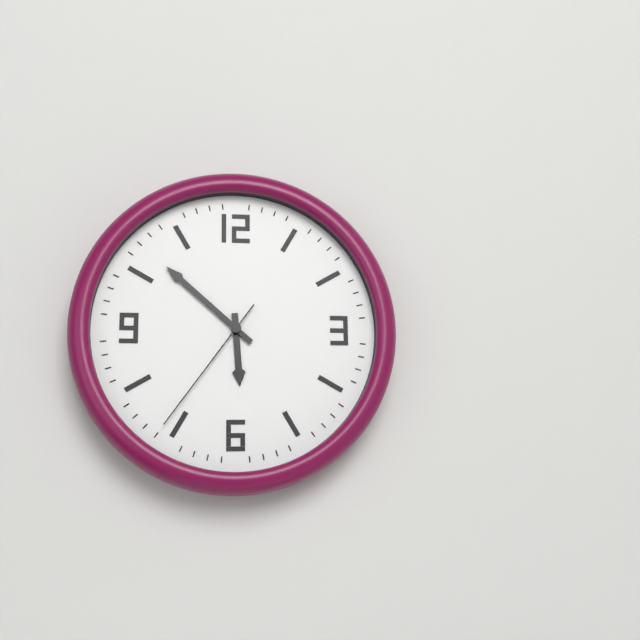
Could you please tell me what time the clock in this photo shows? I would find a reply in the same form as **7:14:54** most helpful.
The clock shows **5:52:36**
